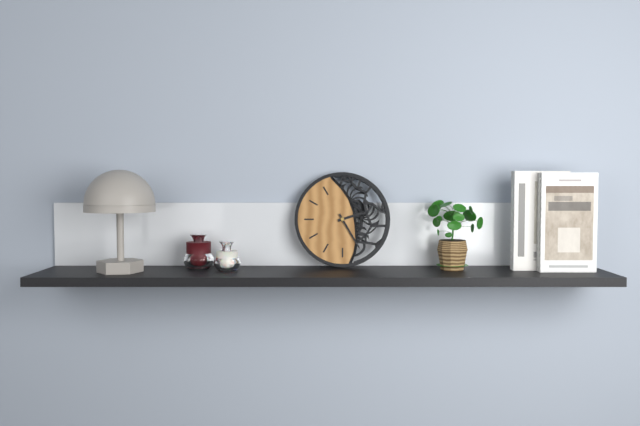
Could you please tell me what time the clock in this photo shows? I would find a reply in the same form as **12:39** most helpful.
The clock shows **2:25**
